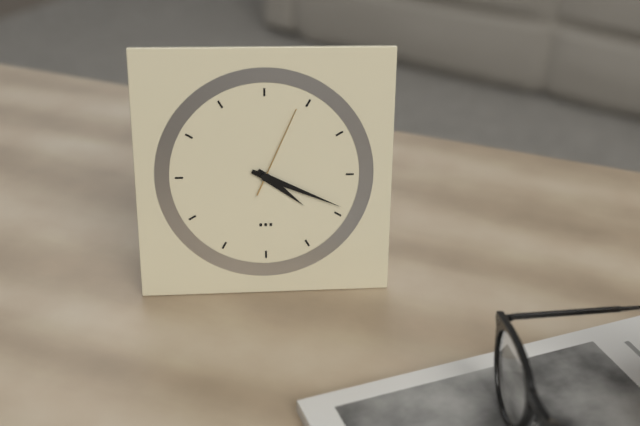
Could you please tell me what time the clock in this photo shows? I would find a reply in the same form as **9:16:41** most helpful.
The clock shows **4:19:04**
